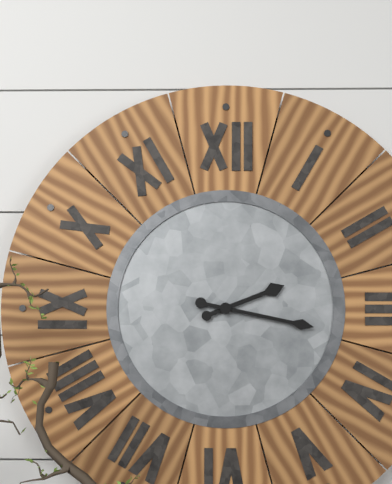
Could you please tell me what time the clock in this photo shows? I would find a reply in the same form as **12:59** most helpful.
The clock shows **2:17**
